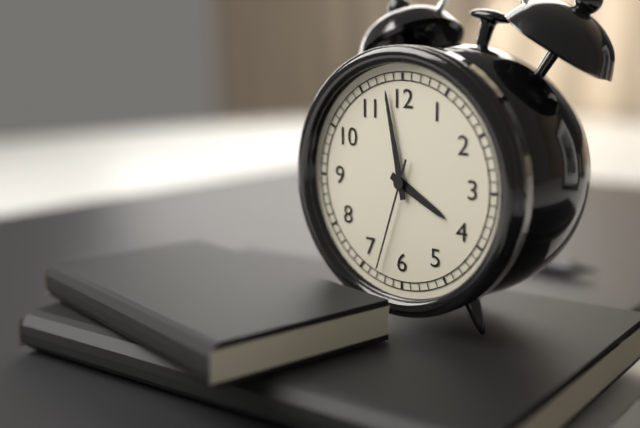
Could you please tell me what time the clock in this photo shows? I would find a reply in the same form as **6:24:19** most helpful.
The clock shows **3:58:33**
